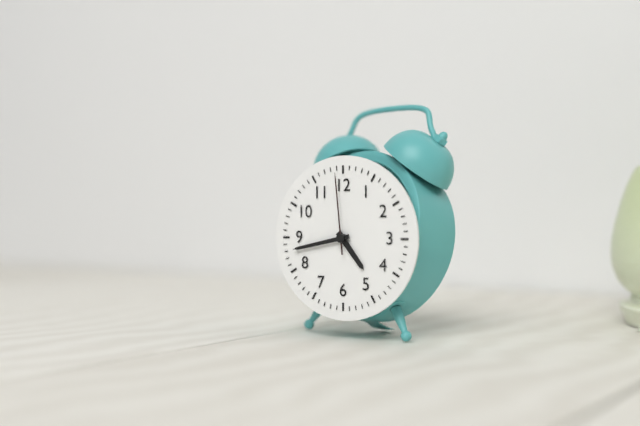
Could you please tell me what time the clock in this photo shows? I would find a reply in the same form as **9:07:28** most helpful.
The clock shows **4:43:59**
